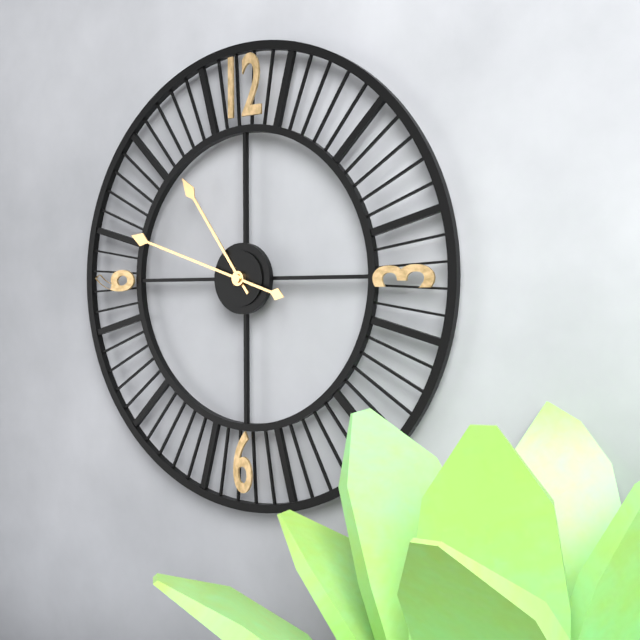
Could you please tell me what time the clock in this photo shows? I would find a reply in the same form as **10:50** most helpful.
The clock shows **10:48**
